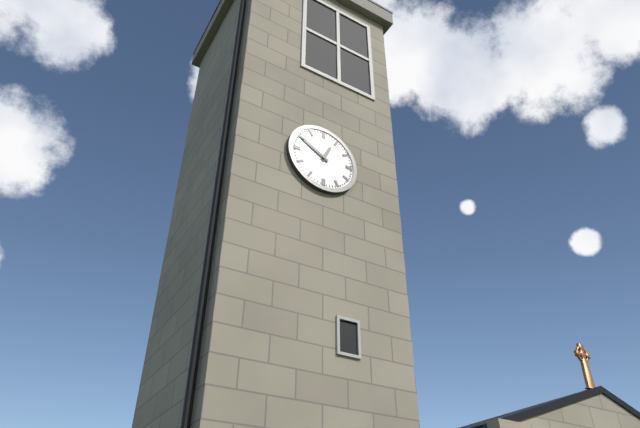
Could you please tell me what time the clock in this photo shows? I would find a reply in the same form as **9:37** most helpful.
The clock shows **12:50**
